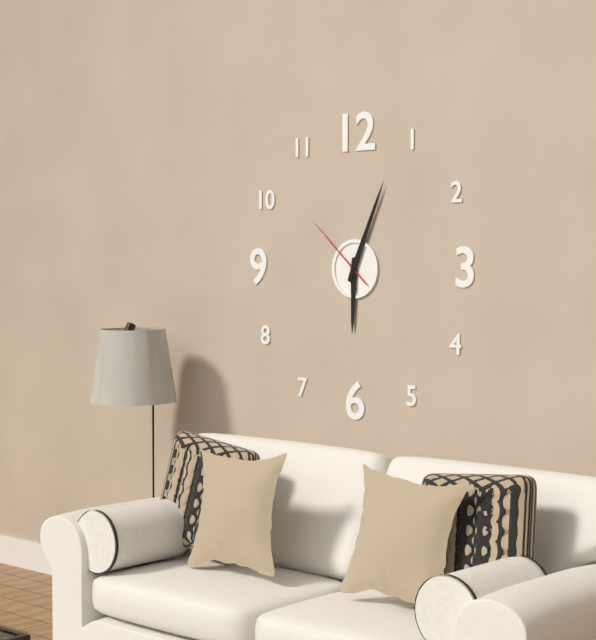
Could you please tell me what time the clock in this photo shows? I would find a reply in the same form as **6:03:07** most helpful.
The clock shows **6:04:52**
